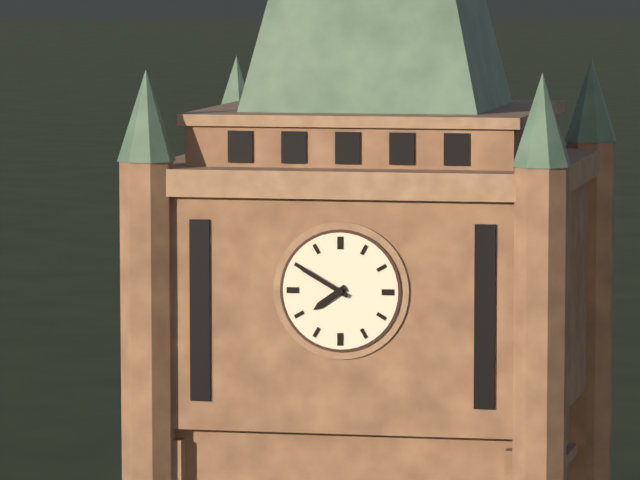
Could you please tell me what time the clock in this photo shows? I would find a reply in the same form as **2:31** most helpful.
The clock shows **7:50**
